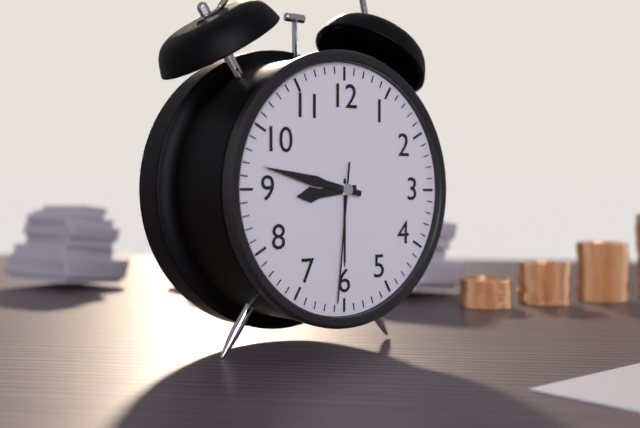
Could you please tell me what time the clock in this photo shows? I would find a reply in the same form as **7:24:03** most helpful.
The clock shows **8:47:31**
